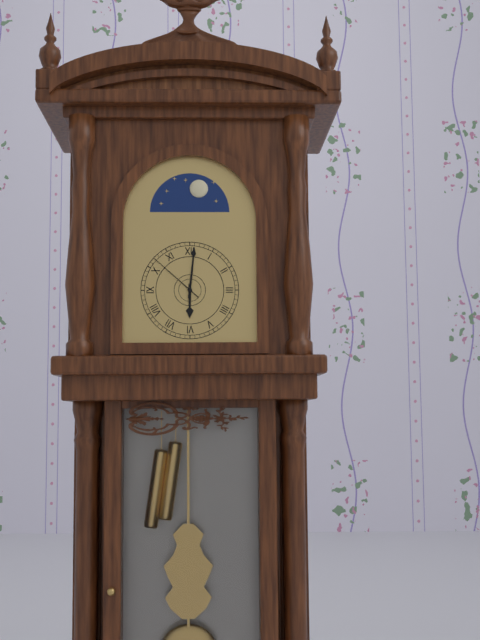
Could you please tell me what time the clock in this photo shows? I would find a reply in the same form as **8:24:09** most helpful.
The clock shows **6:01:52**
